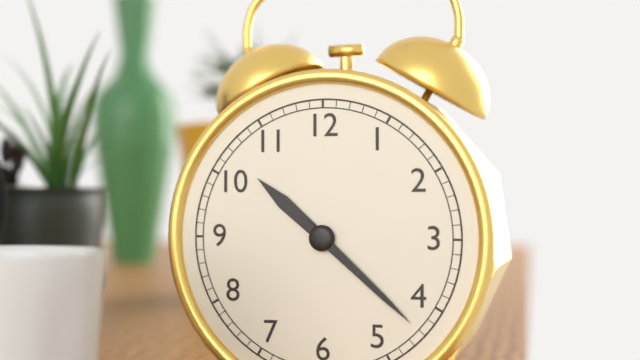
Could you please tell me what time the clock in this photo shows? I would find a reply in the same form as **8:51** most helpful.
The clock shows **10:22**
